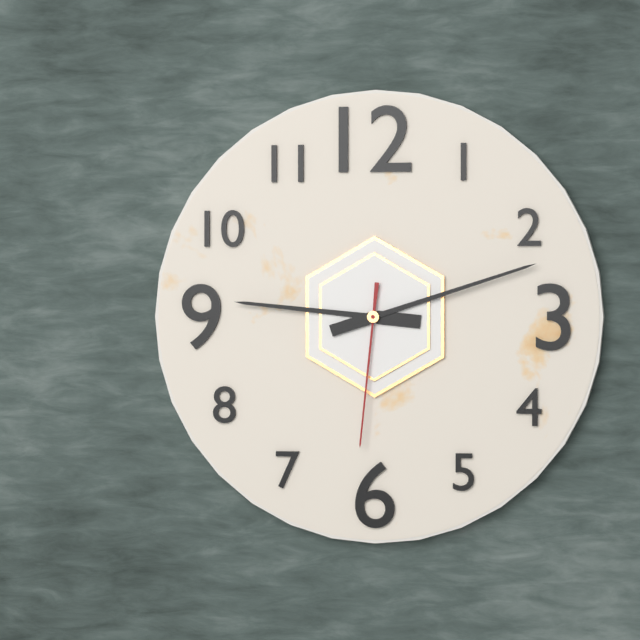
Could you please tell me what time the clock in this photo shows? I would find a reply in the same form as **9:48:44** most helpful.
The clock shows **9:12:31**
